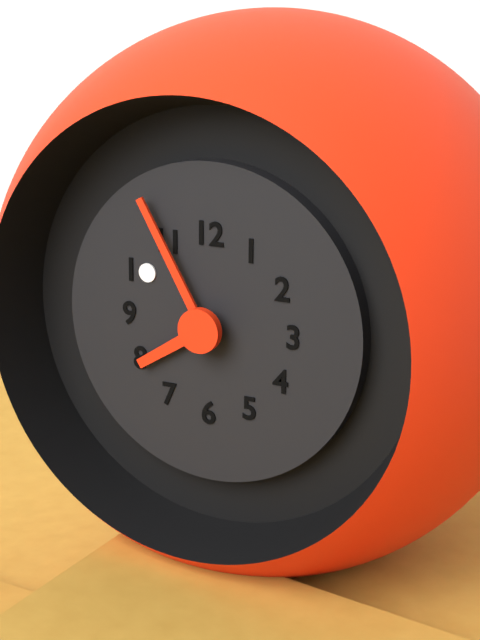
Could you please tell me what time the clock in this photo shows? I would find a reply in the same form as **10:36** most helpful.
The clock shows **7:55**
